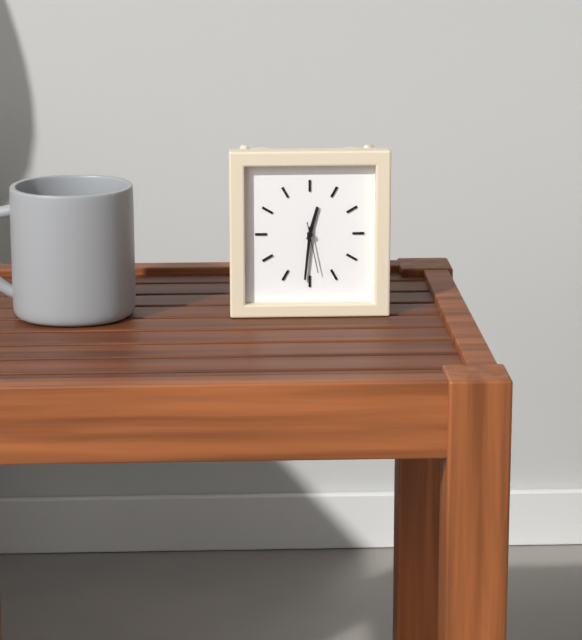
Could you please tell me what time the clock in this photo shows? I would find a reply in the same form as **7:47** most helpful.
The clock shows **12:31**
